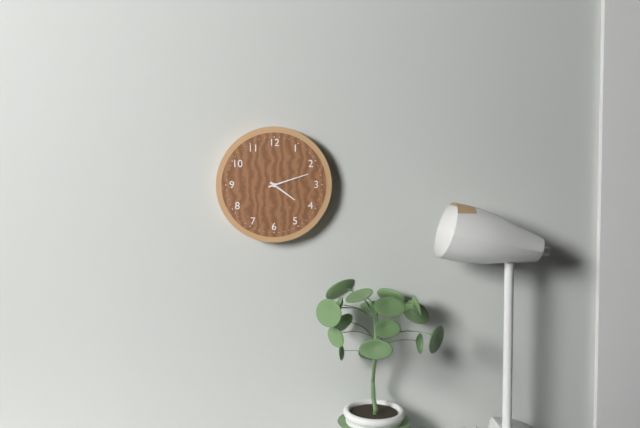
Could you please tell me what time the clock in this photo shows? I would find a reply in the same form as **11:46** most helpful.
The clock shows **4:12**
